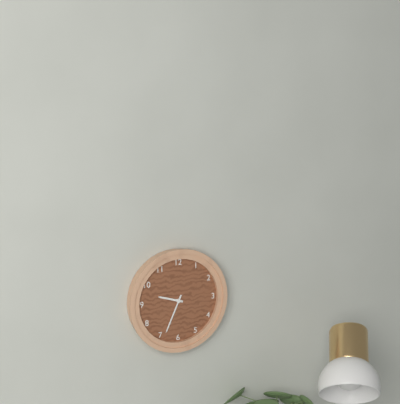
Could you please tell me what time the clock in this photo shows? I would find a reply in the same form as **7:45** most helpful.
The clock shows **9:34**
